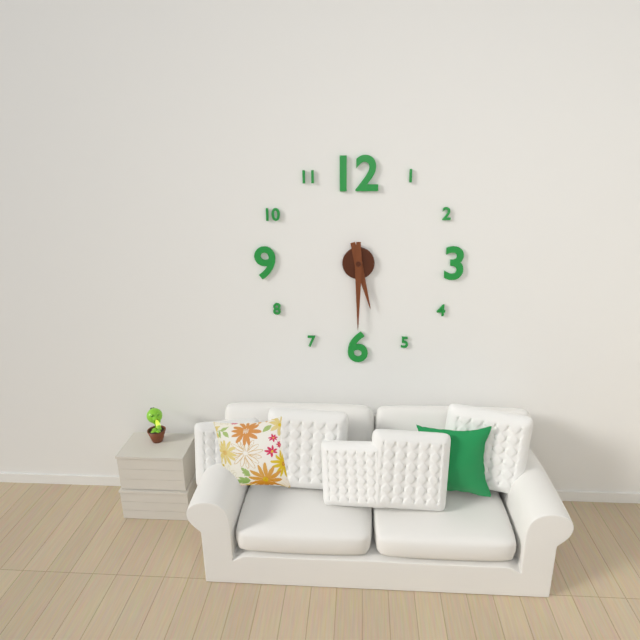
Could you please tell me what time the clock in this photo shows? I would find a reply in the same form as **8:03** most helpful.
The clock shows **5:30**
